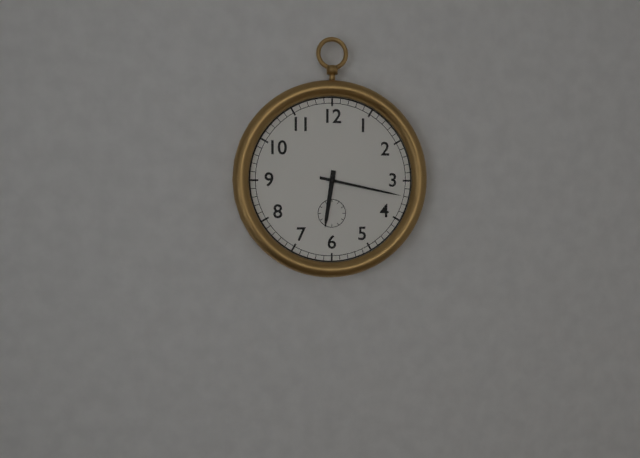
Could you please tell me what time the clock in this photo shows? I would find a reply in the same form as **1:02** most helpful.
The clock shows **6:17**
